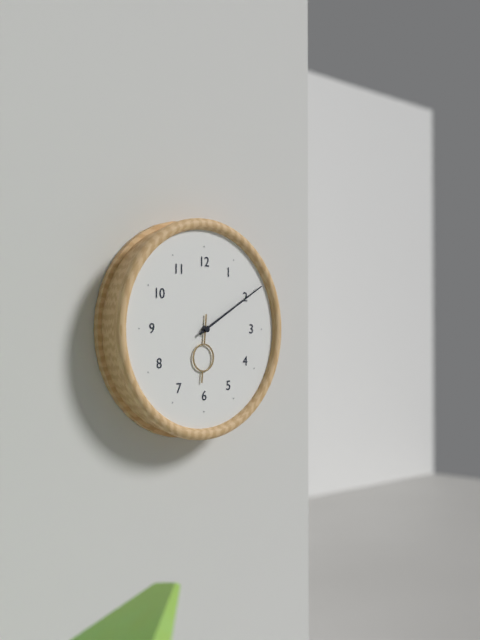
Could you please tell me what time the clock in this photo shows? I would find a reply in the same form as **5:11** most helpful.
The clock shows **6:10**
